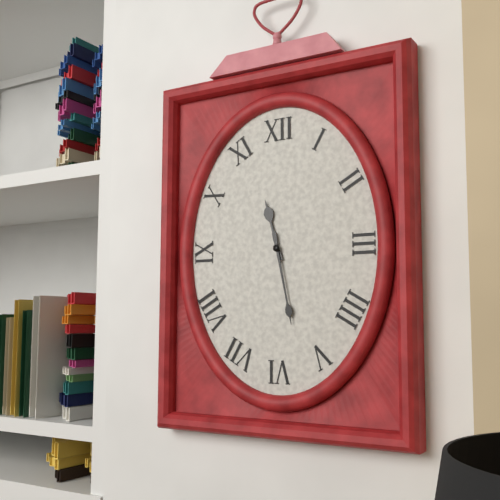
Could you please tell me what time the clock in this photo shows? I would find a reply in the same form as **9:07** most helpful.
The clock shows **11:28**
